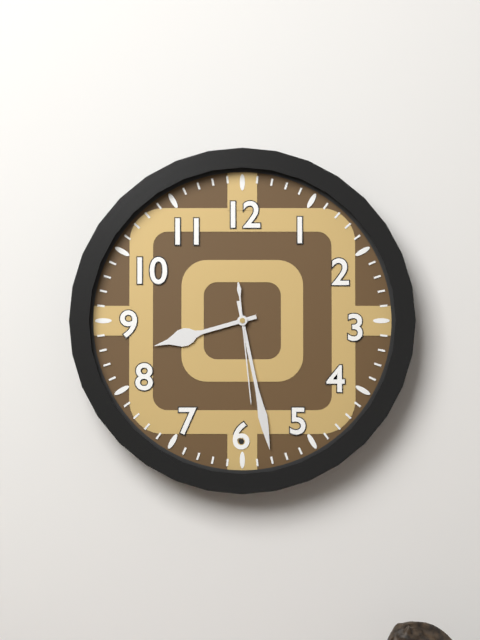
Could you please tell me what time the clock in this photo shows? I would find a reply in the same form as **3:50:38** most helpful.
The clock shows **8:28:29**
